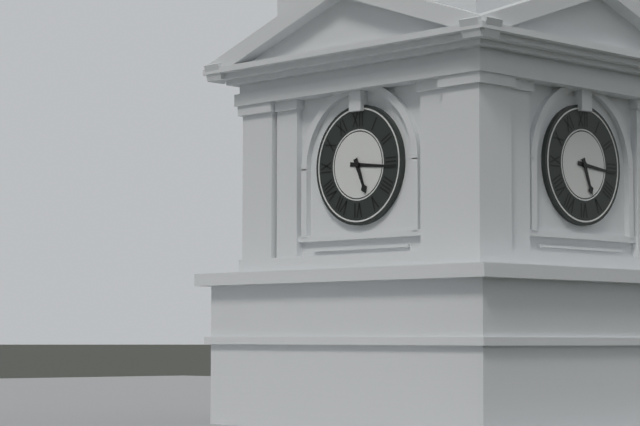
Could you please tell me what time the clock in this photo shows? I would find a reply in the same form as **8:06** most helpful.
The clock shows **5:16**
